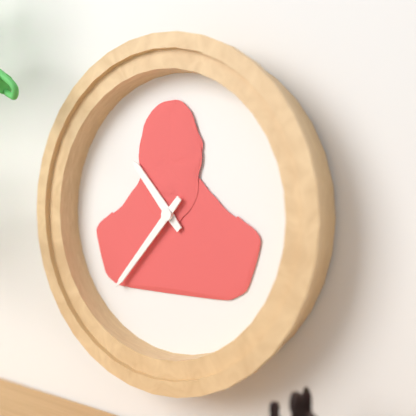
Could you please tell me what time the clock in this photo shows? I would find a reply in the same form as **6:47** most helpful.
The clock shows **10:37**
